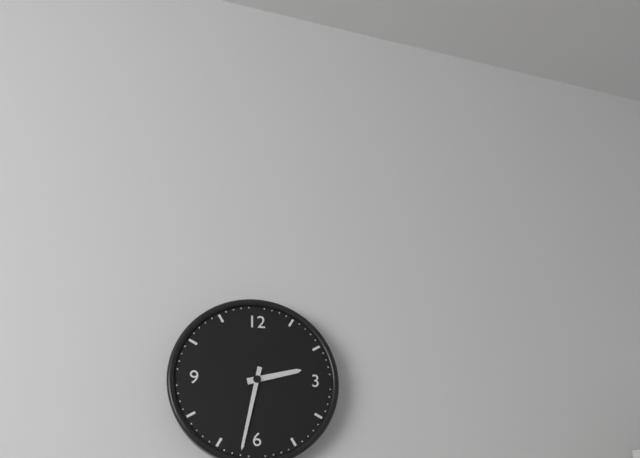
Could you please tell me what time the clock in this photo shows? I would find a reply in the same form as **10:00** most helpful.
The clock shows **2:32**
